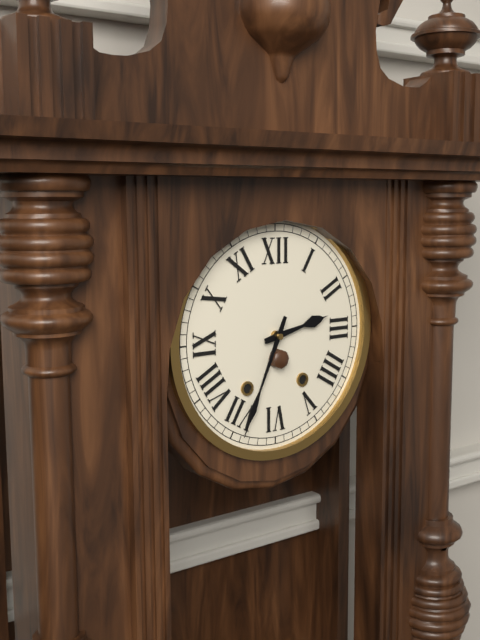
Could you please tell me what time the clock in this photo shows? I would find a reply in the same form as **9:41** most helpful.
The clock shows **2:34**
